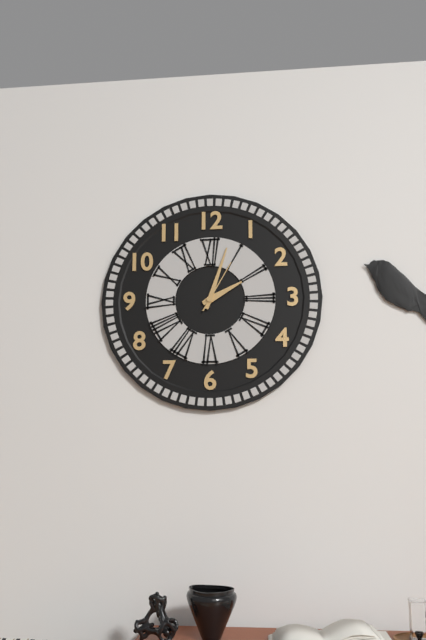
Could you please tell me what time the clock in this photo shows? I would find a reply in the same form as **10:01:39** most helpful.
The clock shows **2:03:05**
